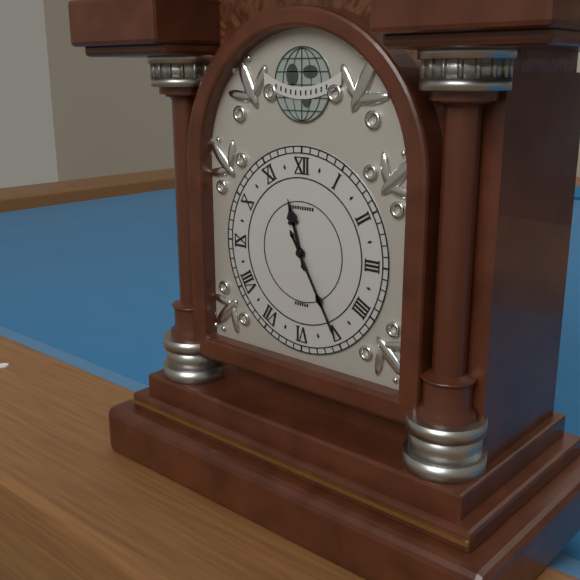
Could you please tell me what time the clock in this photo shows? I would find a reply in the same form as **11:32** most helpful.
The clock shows **11:25**
